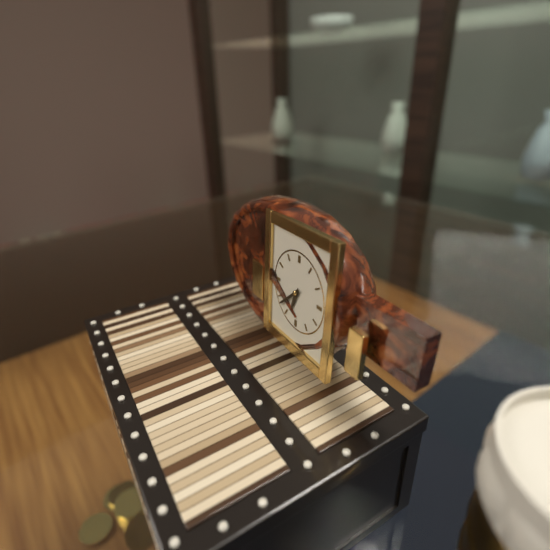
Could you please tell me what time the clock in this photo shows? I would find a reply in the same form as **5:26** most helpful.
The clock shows **6:38**
